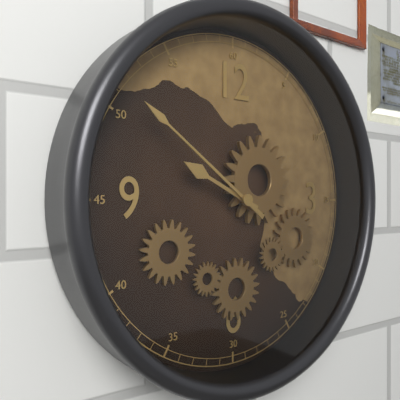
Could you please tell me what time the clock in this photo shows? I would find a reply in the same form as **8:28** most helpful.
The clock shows **9:51**
